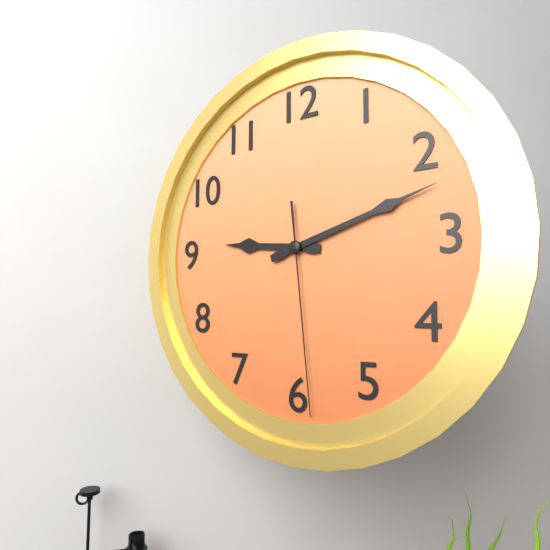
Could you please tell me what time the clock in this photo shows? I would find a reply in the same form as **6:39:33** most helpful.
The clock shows **9:12:29**
